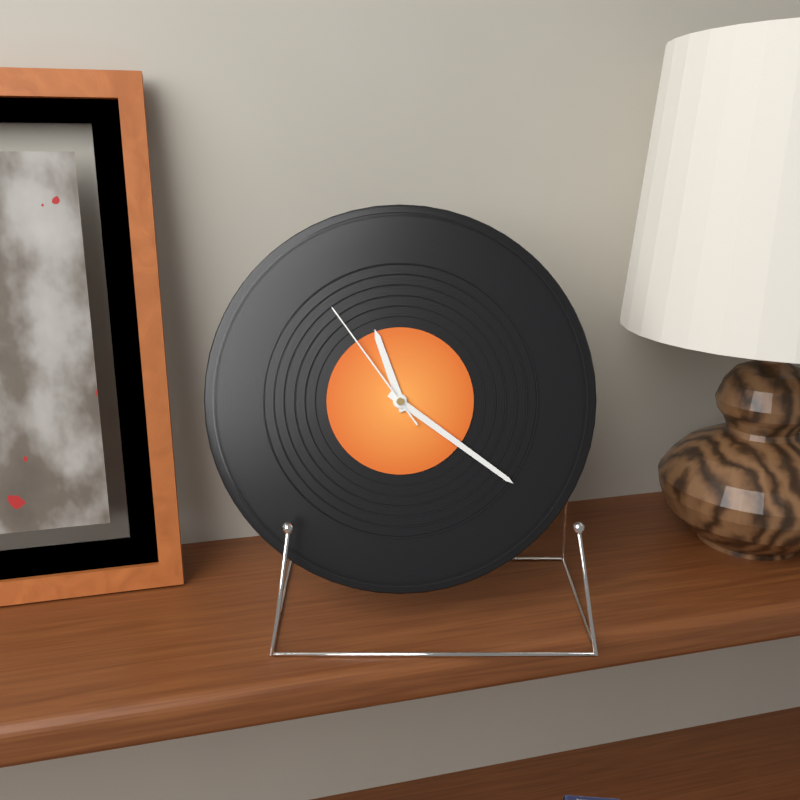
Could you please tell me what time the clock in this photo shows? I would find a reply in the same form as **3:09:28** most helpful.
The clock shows **11:21:54**
